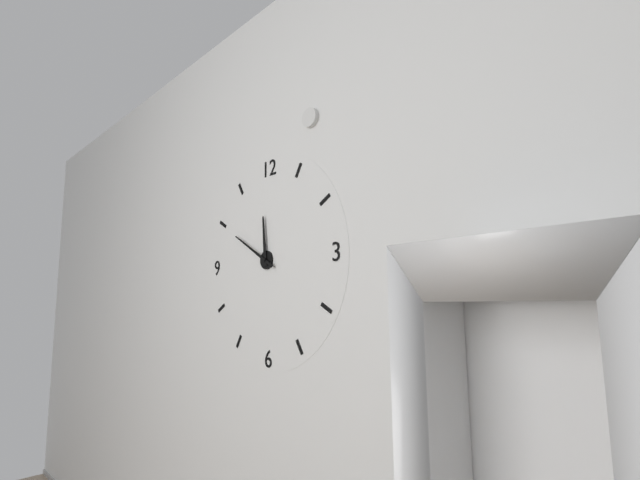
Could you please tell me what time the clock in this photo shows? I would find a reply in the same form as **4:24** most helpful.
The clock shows **11:50**
